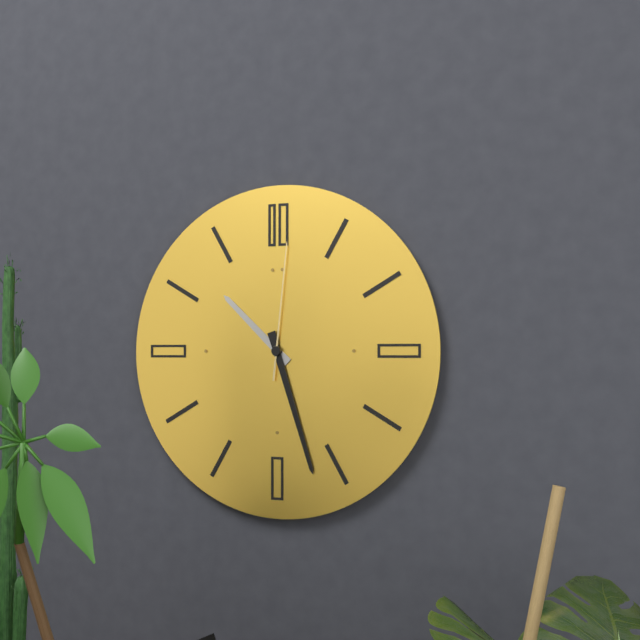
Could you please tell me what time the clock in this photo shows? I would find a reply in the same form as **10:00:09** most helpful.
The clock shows **10:27:01**
